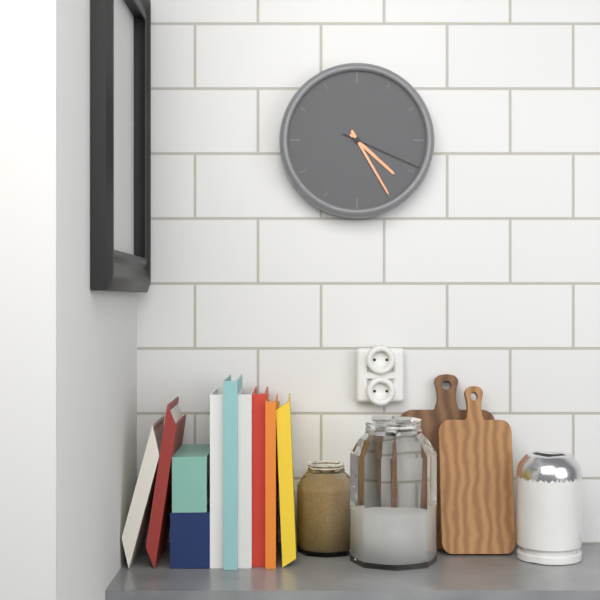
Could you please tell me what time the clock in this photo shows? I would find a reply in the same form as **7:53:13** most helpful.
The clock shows **4:25:19**
